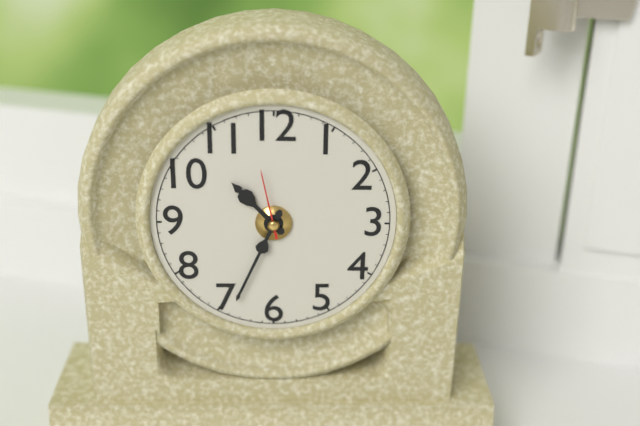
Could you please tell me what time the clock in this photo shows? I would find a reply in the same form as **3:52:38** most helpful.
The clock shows **10:34:58**
